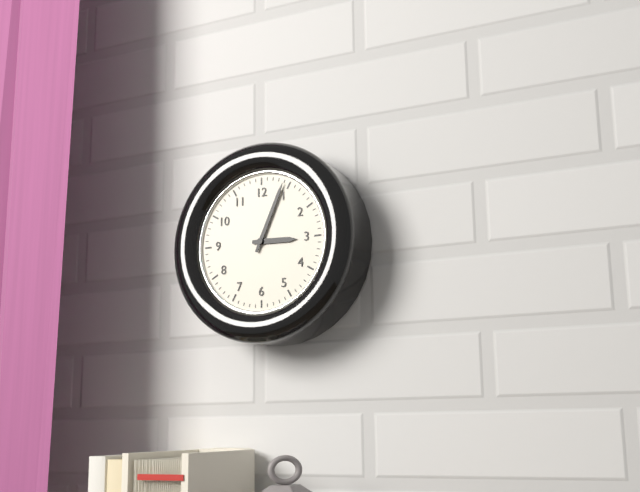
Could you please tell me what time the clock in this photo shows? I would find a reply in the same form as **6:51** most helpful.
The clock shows **3:04**
